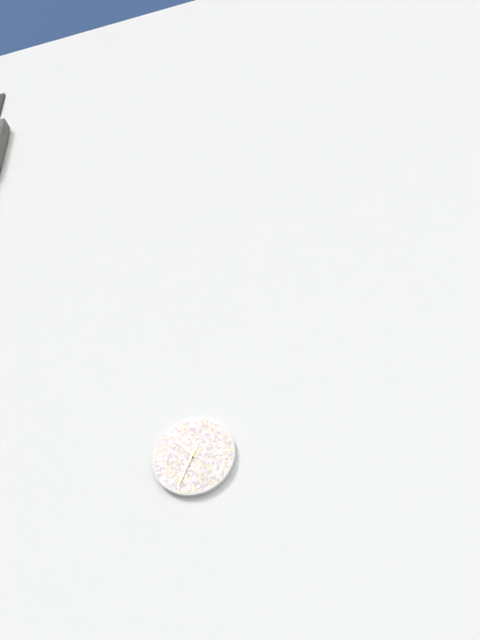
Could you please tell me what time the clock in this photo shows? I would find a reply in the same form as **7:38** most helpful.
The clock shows **10:34**
